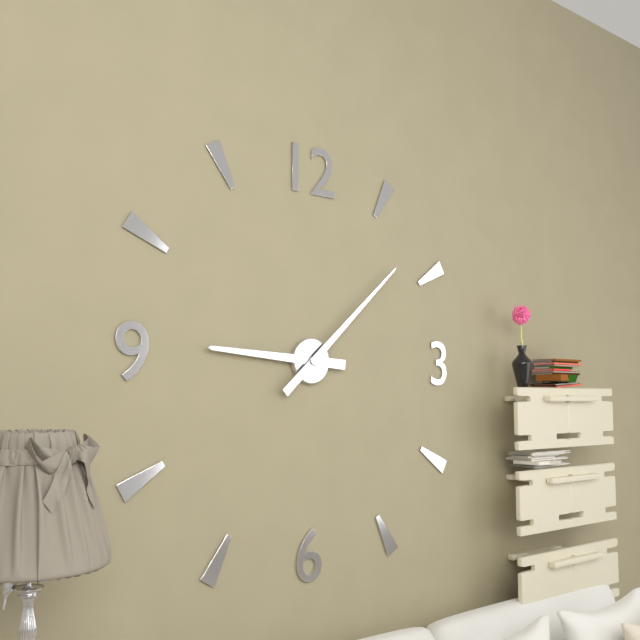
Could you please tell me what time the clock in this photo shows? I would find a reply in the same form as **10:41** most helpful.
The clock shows **9:08**
